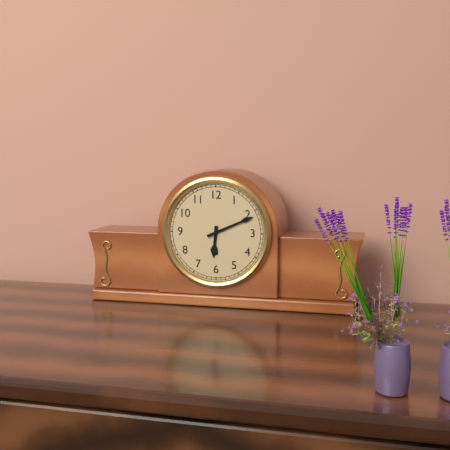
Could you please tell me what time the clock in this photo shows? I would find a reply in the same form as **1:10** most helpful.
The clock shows **6:11**
